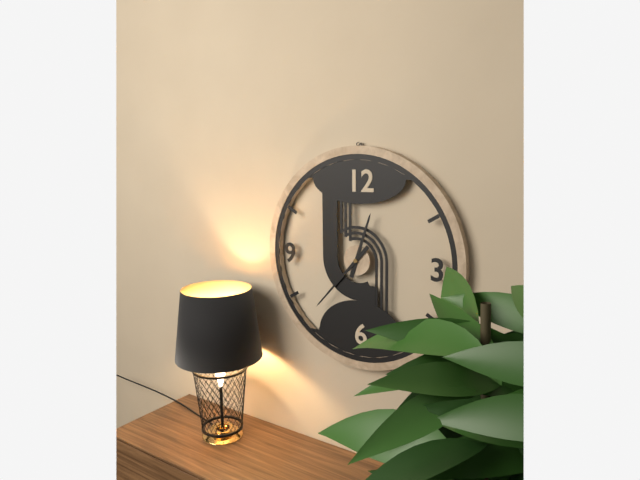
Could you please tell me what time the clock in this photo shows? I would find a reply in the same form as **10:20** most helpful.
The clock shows **12:37**
